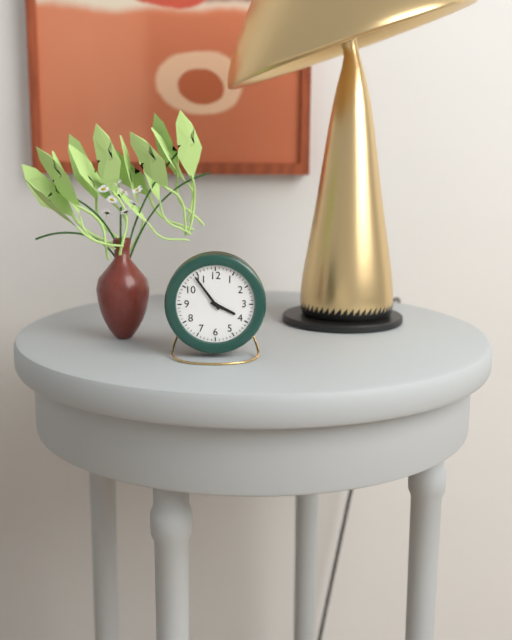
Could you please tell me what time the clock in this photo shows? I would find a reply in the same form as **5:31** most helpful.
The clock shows **3:54**
